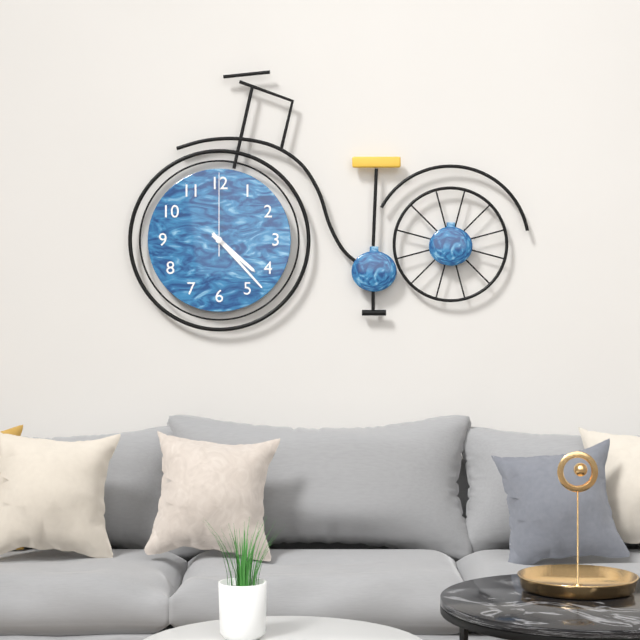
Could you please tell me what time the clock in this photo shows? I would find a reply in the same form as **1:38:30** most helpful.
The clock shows **4:23:00**
